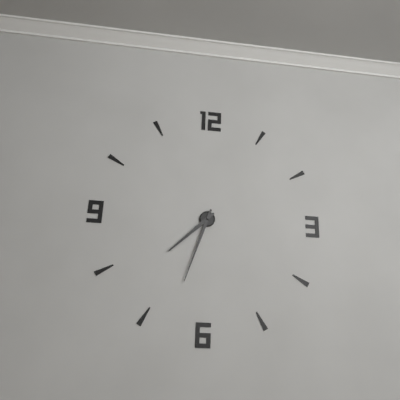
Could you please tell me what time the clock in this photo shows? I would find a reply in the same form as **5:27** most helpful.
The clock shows **7:33**
